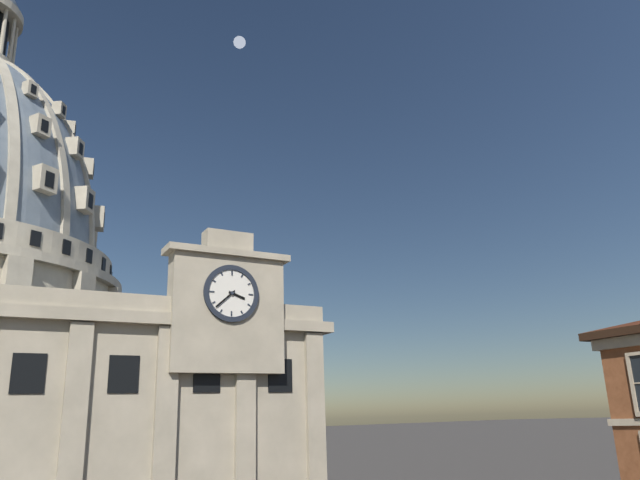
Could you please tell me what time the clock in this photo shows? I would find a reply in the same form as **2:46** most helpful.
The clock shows **3:38**
